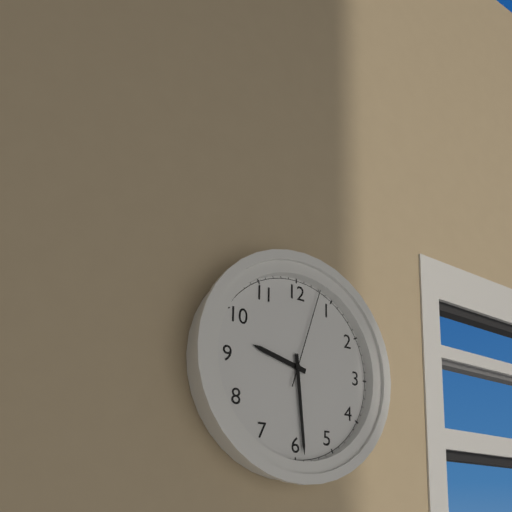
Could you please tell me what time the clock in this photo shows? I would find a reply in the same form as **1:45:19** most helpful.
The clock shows **9:29:03**
